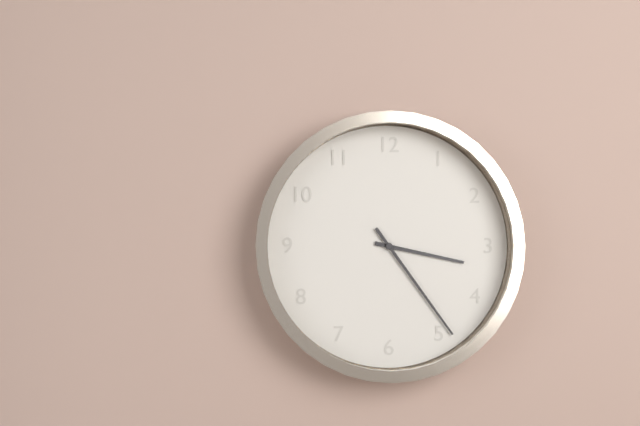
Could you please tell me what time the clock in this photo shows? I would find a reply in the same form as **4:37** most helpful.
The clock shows **3:24**
